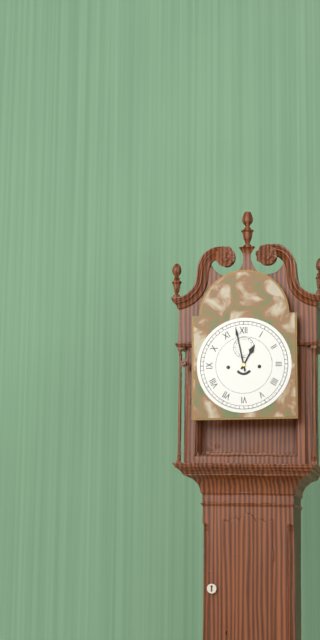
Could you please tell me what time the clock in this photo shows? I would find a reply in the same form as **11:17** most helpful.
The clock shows **12:58**
